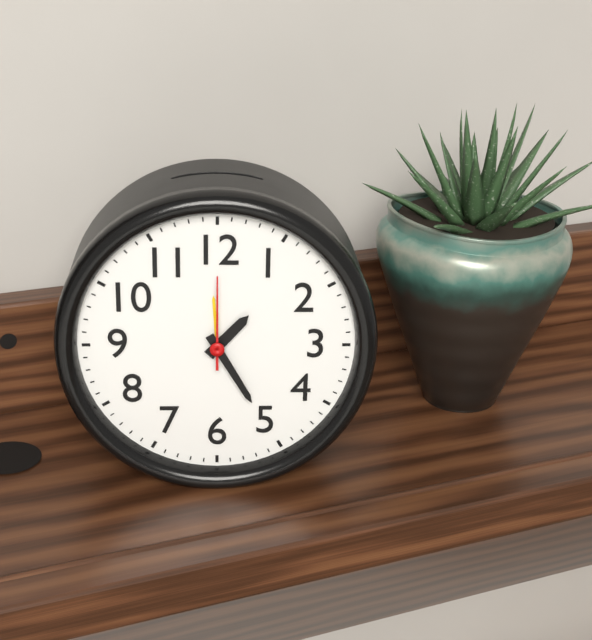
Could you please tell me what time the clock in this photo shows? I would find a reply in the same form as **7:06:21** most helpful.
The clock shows **1:25:00**
